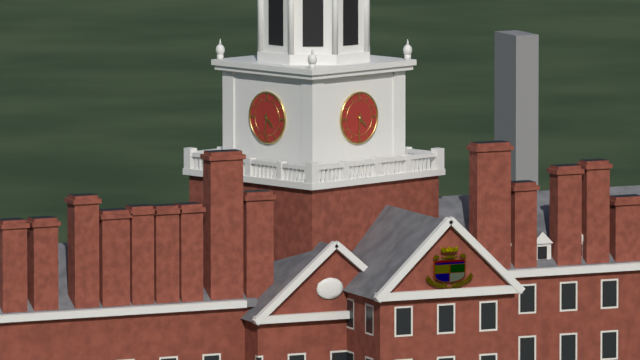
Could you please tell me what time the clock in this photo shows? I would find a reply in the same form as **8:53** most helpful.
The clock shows **4:31**
